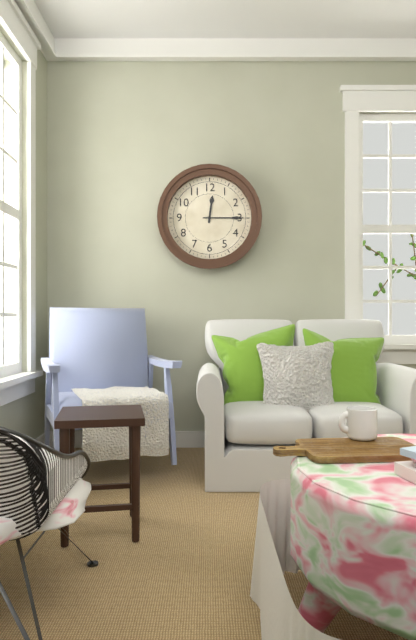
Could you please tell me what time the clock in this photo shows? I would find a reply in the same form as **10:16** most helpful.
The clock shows **12:15**
